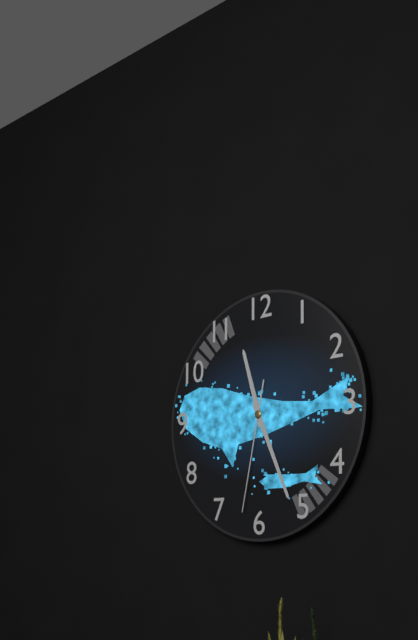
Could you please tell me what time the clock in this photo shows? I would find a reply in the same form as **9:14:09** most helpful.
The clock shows **11:26:32**
